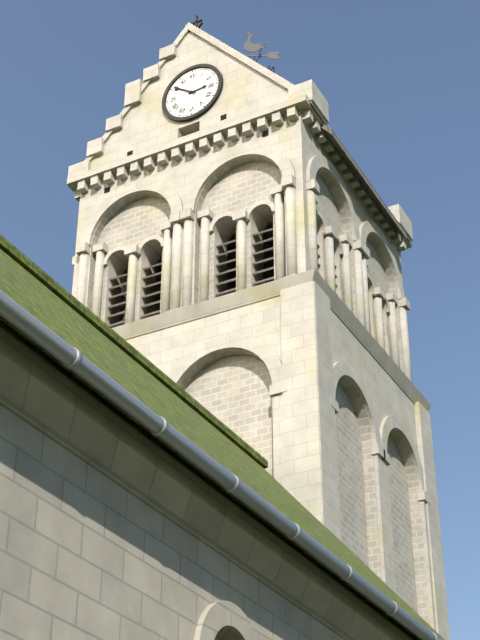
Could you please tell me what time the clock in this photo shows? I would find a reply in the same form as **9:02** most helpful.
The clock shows **2:51**
